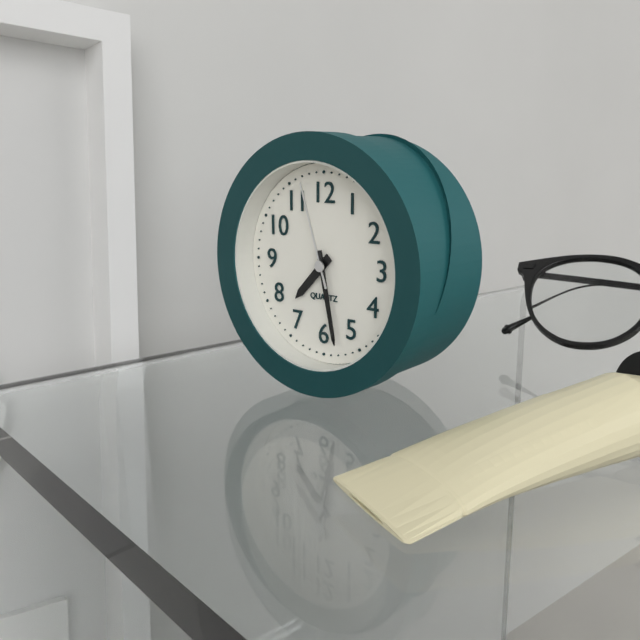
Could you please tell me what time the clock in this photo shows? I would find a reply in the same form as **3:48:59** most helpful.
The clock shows **7:28:57**
